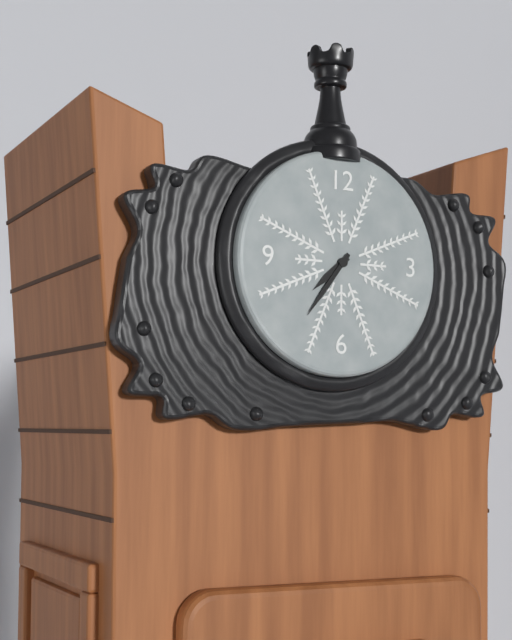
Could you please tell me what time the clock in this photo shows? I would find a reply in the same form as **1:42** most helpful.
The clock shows **7:36**
